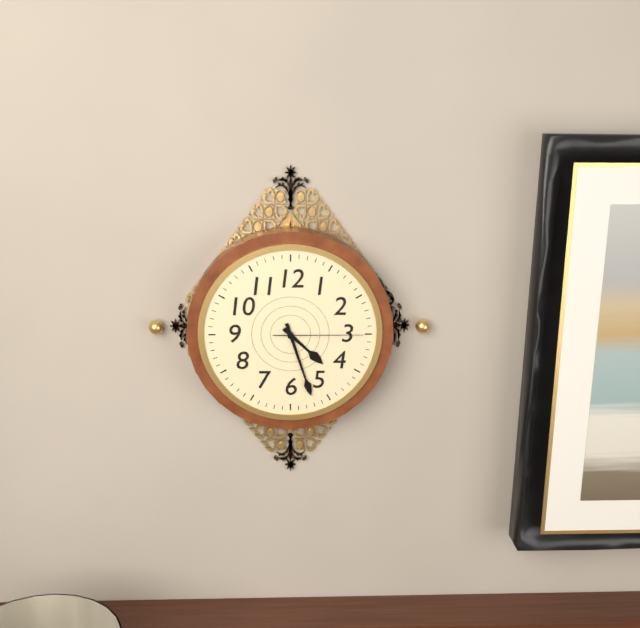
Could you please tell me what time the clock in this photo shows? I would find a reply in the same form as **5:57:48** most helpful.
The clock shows **4:27:15**
